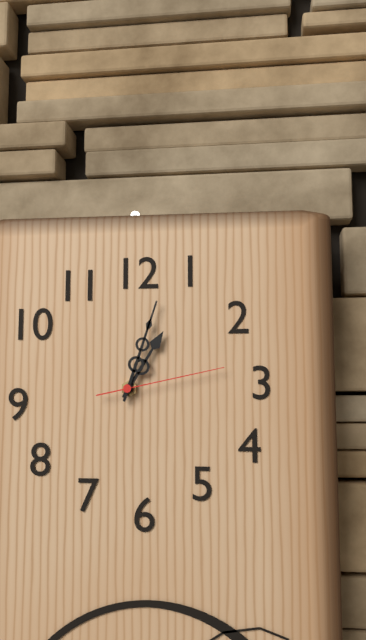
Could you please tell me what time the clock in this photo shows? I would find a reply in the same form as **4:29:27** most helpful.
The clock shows **1:03:13**
